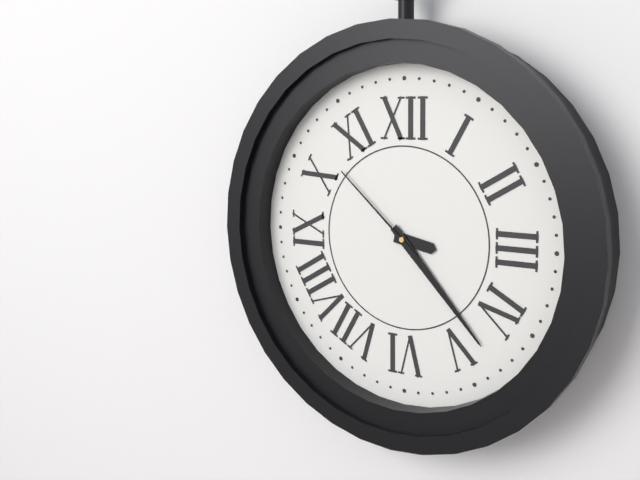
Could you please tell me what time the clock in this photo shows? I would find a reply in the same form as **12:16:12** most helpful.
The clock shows **3:23:52**
